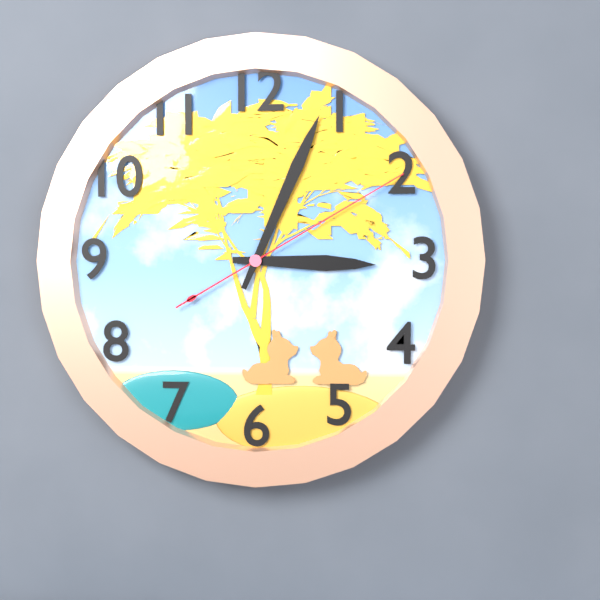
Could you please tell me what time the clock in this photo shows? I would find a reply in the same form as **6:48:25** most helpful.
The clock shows **3:04:10**
